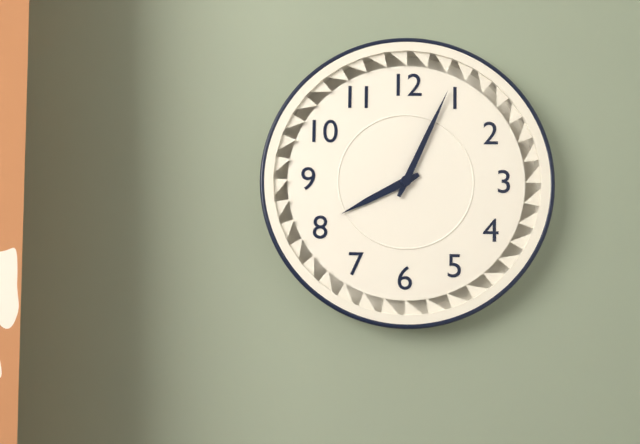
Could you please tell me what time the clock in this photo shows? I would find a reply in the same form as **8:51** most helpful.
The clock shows **8:04**
